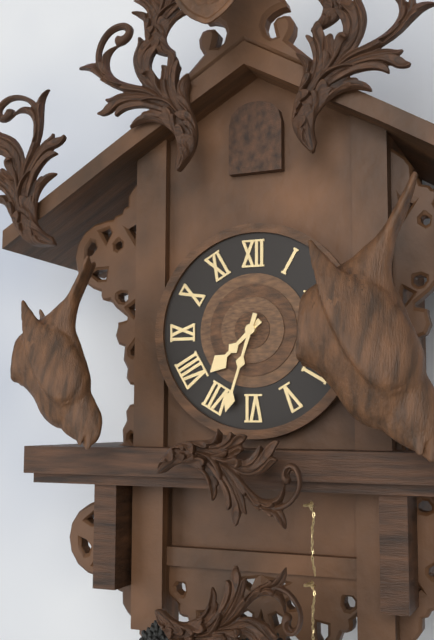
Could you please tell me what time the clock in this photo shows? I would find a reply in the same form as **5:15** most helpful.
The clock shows **7:33**
